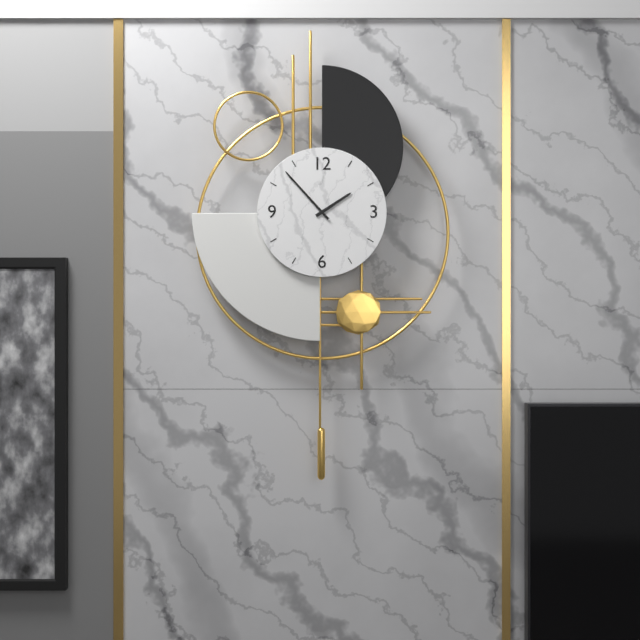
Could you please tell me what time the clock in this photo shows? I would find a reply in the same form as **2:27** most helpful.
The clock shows **1:53**
